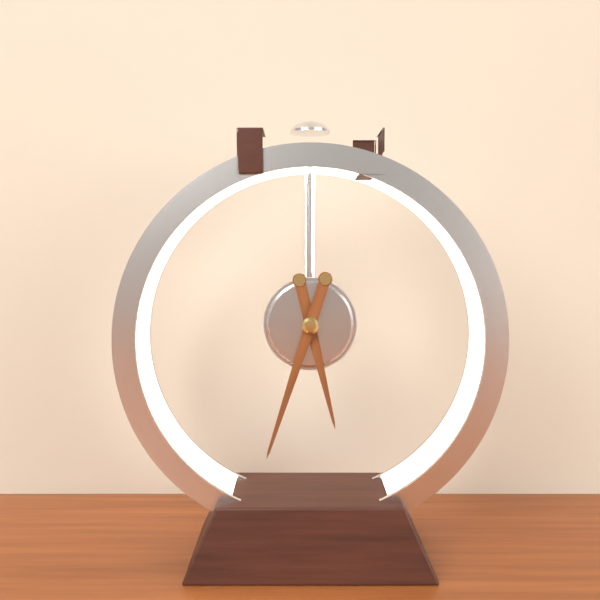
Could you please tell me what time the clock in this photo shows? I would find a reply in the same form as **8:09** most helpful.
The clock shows **5:33**
